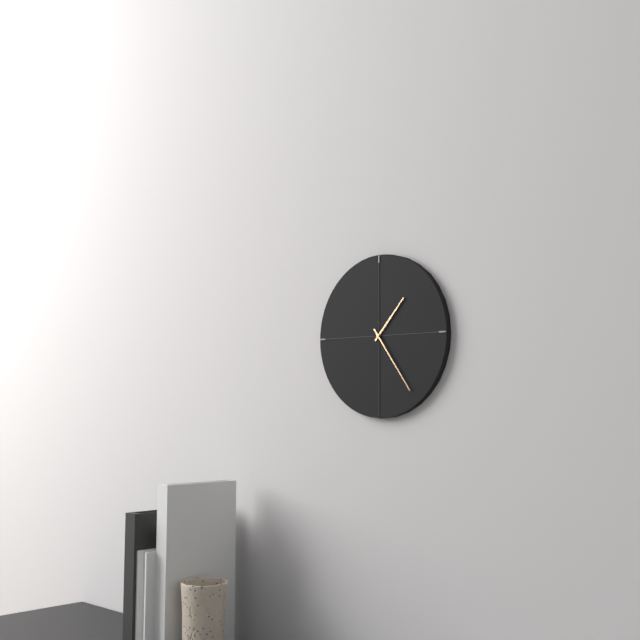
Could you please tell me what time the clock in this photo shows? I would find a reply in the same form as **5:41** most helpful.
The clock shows **1:24**
